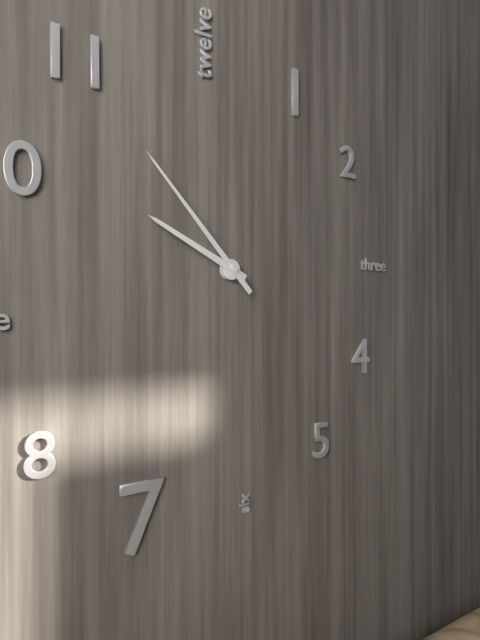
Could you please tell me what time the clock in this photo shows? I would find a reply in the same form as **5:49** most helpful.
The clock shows **9:53**
